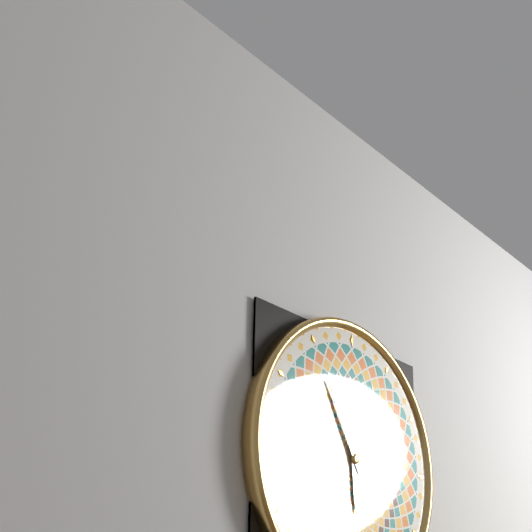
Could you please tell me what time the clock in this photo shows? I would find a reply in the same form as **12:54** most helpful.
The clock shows **5:55**
